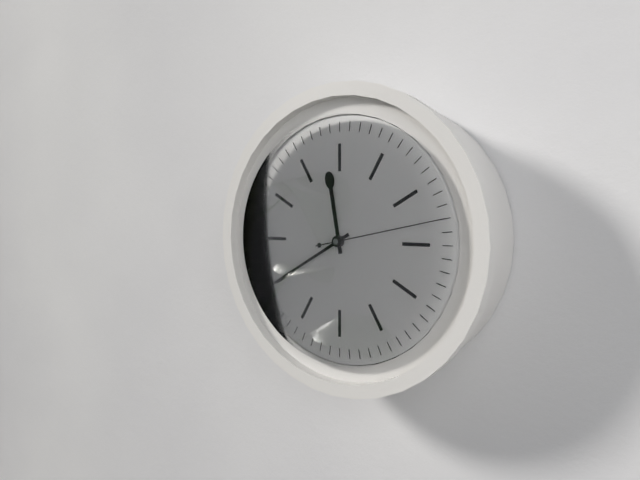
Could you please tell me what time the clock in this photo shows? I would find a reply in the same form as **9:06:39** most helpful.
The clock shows **11:40:13**
